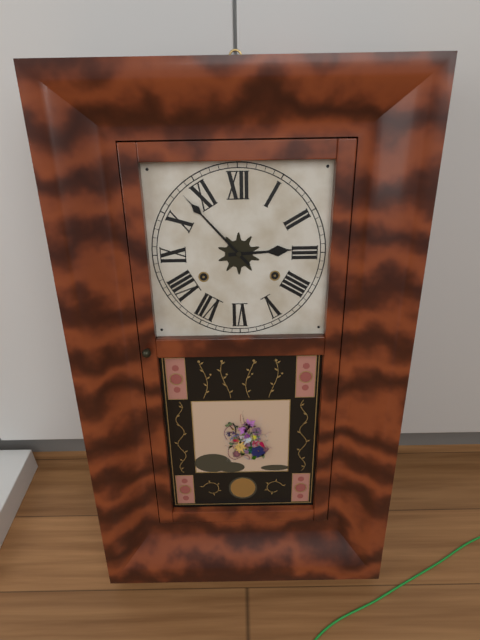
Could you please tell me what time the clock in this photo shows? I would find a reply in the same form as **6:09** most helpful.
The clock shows **2:53**
